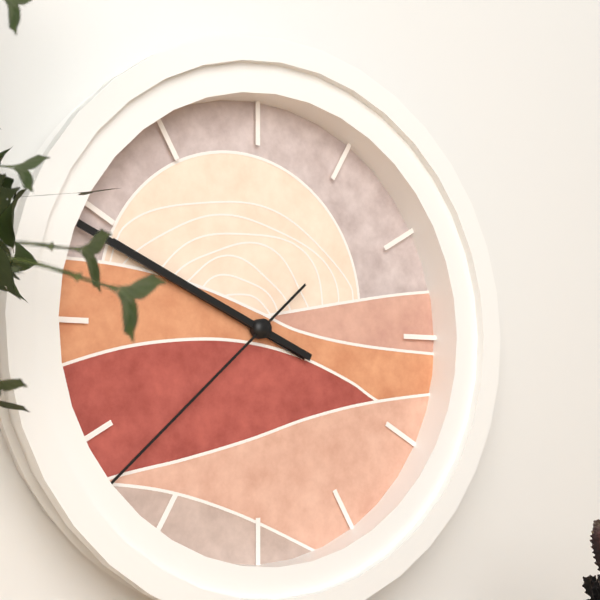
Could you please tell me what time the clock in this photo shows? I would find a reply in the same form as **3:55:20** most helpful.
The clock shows **9:49:38**
